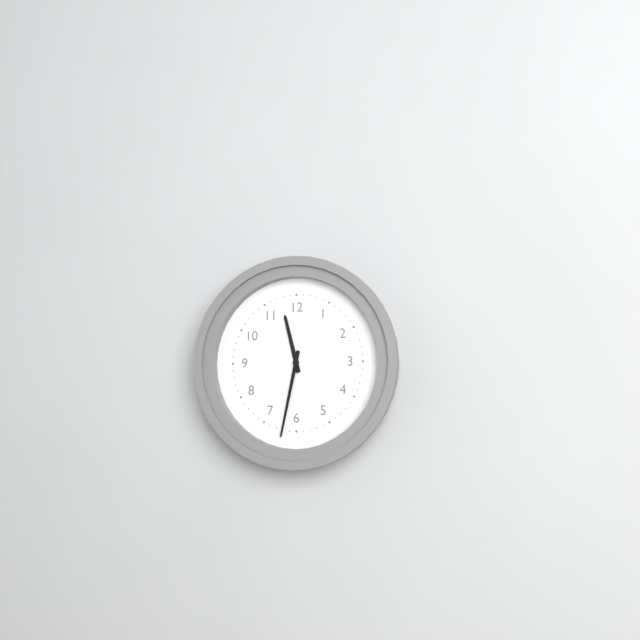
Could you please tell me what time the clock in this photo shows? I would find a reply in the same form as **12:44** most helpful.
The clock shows **11:32**
